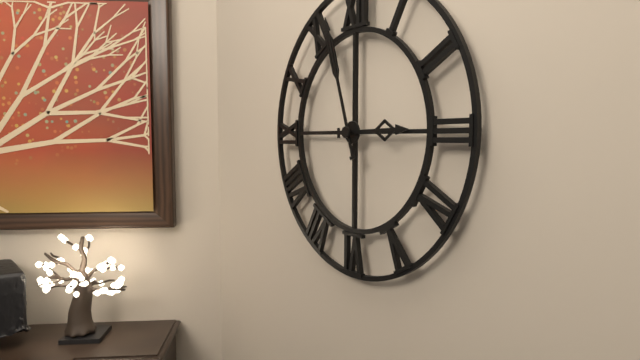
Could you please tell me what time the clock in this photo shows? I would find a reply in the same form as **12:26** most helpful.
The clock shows **2:57**
